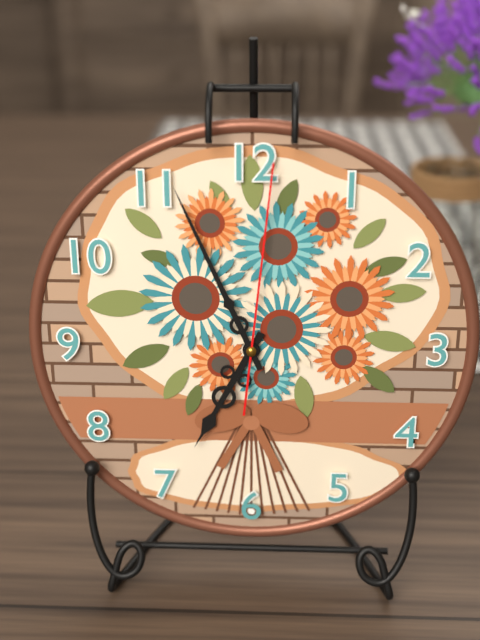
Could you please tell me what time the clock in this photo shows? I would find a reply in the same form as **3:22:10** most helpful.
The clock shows **6:56:01**
